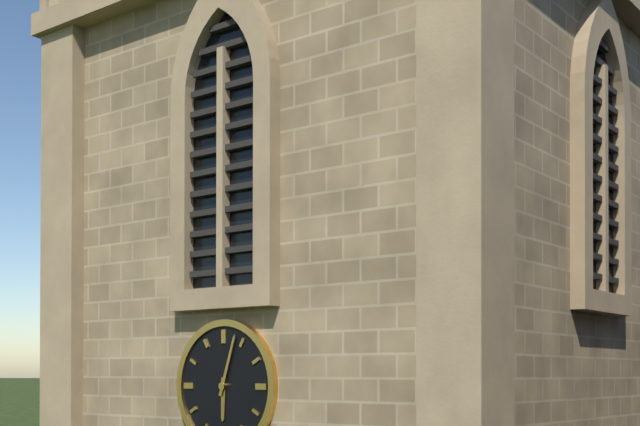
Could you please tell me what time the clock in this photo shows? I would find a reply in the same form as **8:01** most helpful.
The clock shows **6:03**
